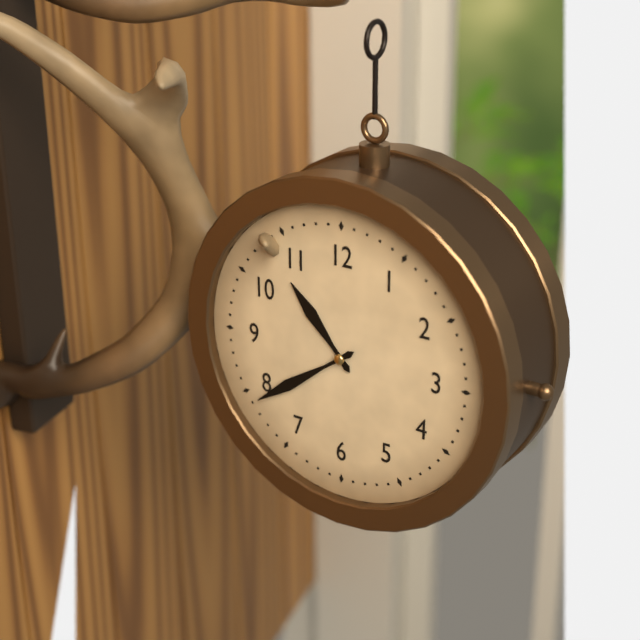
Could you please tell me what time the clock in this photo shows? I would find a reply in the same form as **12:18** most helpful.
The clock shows **10:39**
